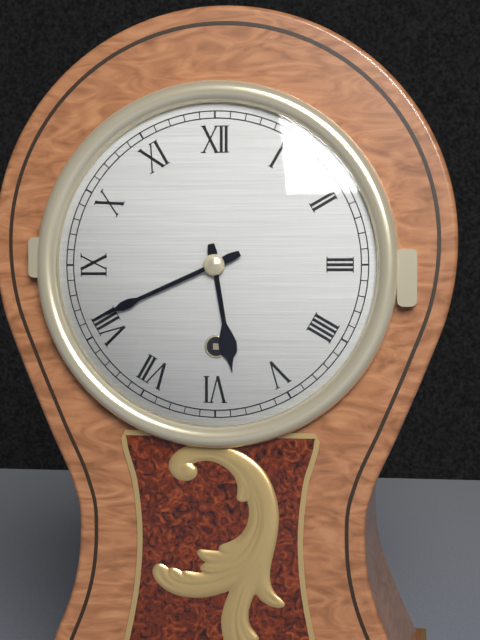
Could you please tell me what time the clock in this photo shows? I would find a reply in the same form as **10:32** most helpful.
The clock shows **5:41**
